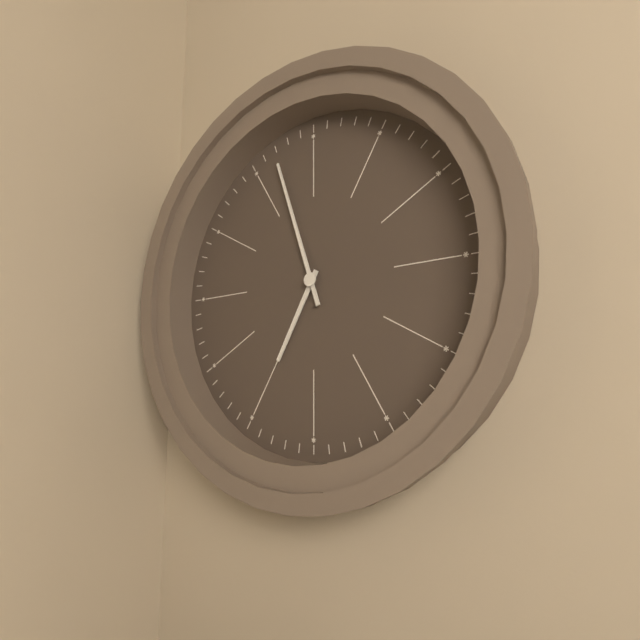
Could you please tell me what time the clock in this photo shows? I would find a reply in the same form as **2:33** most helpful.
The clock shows **6:57**
